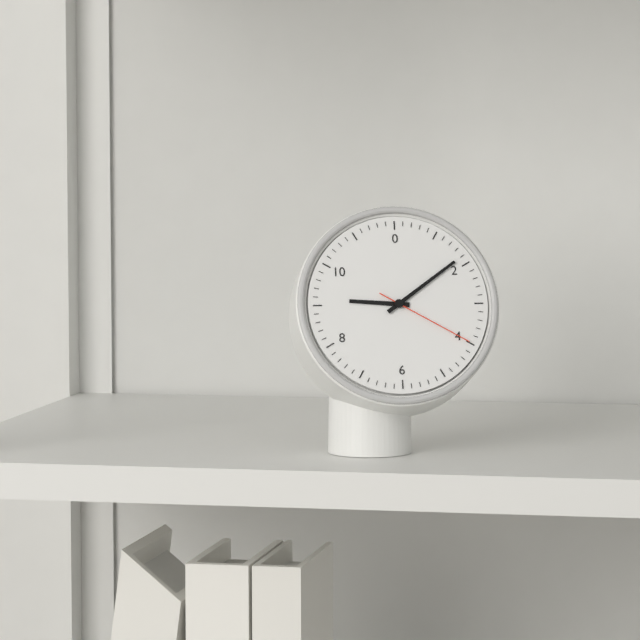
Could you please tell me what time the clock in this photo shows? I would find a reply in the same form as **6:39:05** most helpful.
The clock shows **9:09:20**
